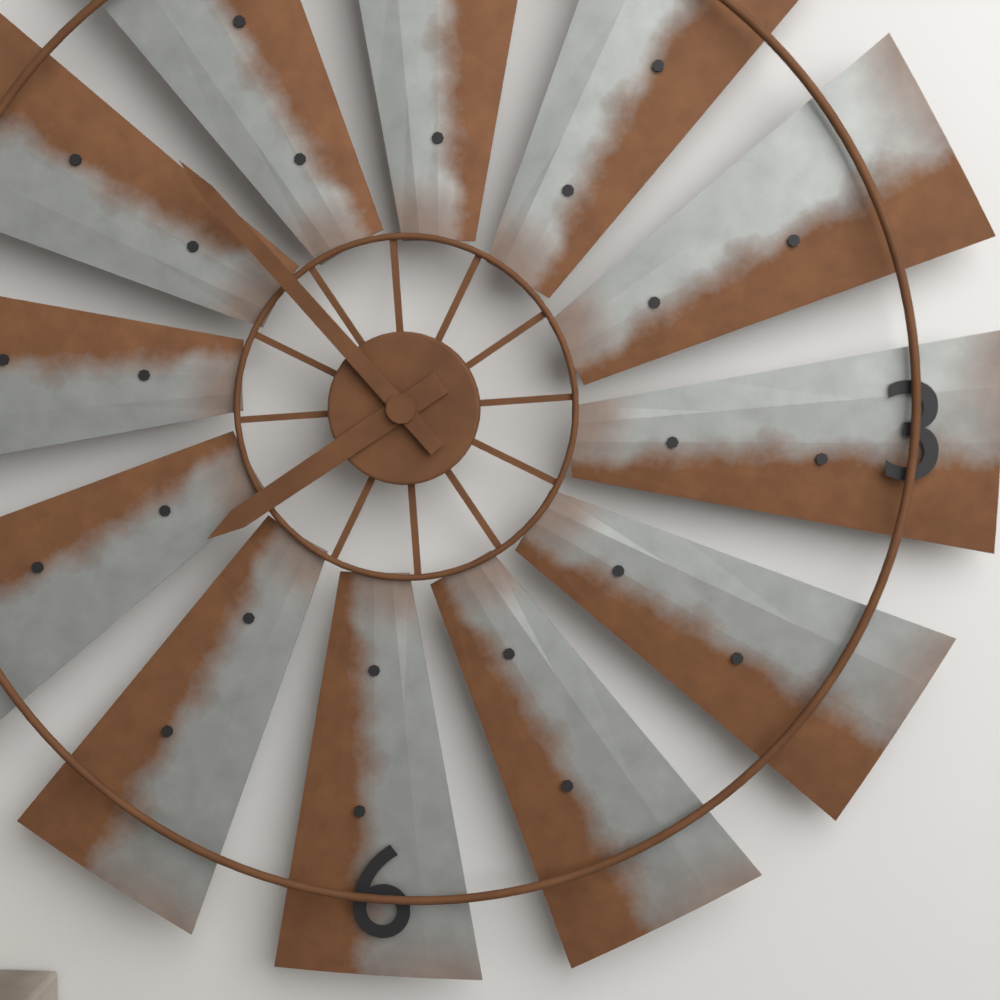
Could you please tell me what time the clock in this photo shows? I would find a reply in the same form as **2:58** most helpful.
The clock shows **7:53**
